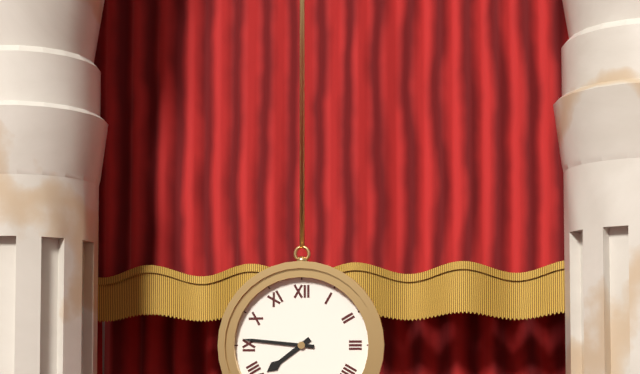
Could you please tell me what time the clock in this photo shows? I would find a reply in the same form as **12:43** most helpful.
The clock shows **7:46**
